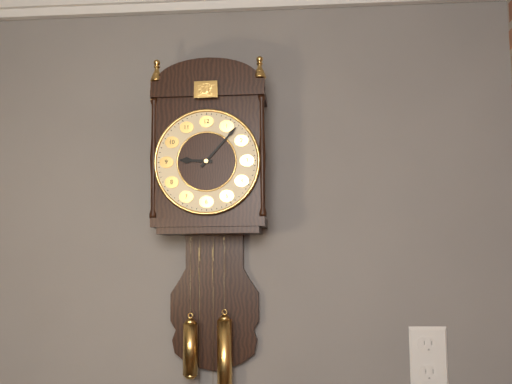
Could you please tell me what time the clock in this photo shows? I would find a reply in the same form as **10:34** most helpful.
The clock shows **9:07**
